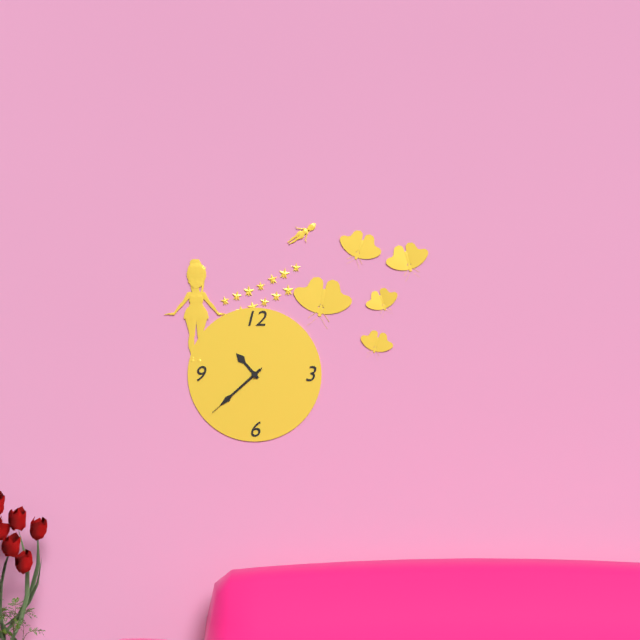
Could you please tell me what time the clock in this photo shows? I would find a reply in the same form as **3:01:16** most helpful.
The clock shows **10:38:38**
